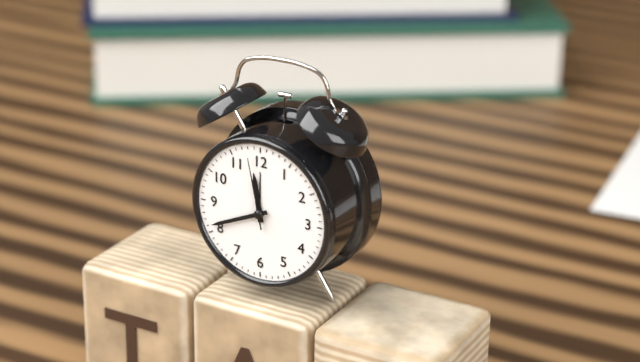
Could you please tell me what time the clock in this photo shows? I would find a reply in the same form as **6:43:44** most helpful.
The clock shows **11:41:58**
